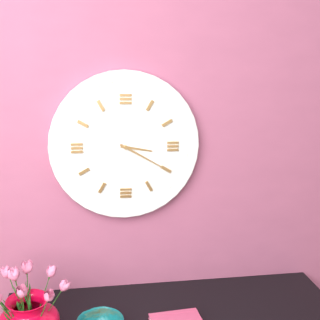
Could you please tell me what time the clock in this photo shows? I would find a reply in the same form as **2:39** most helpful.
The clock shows **3:20**
